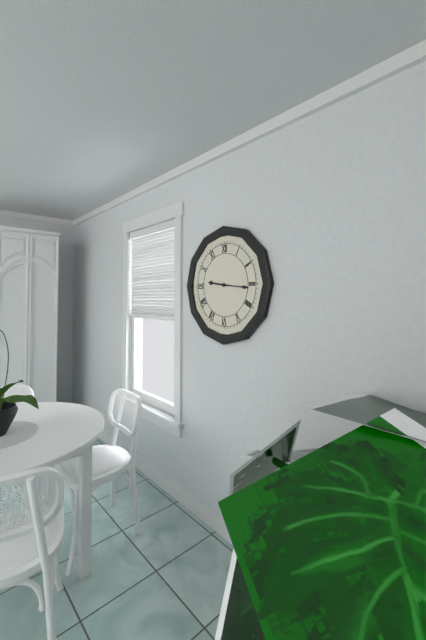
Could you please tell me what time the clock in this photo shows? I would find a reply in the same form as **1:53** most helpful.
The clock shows **9:16**
